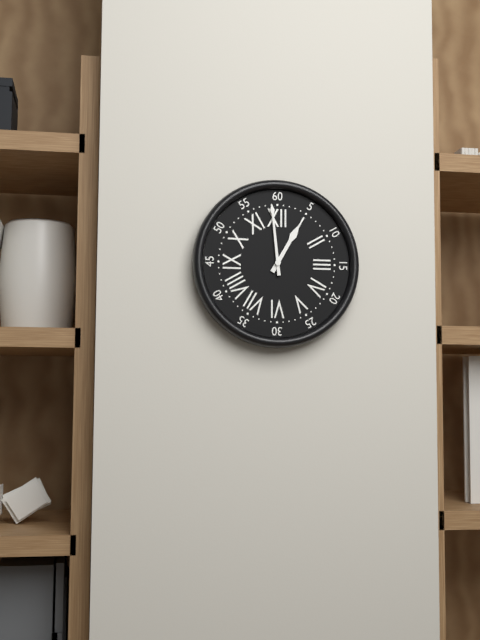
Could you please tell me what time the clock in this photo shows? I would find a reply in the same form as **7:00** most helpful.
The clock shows **12:59**
